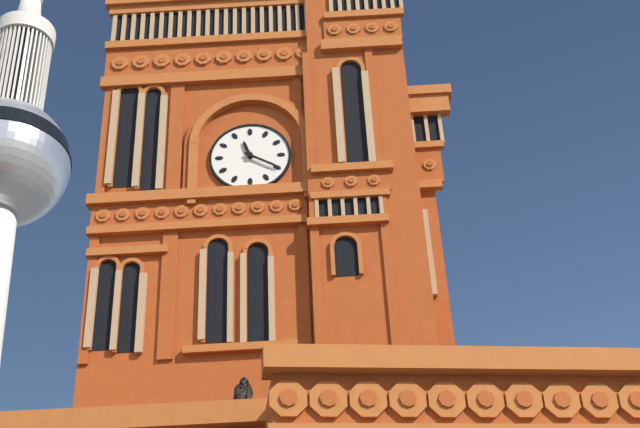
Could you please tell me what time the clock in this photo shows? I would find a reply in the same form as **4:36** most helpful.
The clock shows **11:20**
